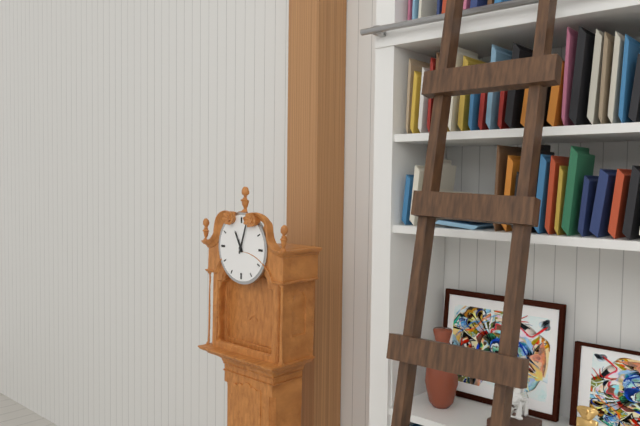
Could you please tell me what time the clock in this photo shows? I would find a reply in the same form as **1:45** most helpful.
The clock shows **11:03**
